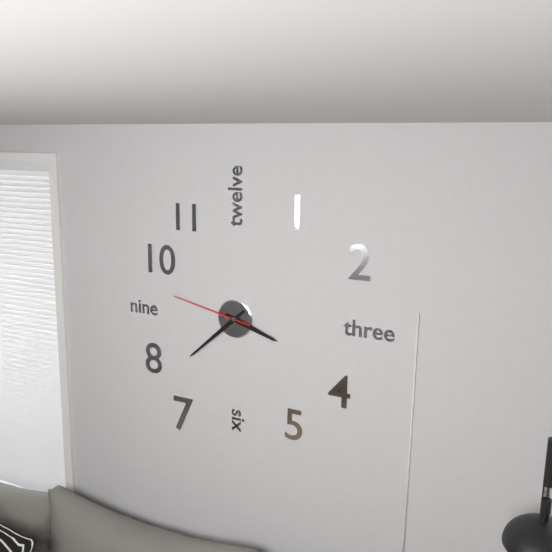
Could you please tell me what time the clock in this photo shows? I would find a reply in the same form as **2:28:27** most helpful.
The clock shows **3:38:47**
